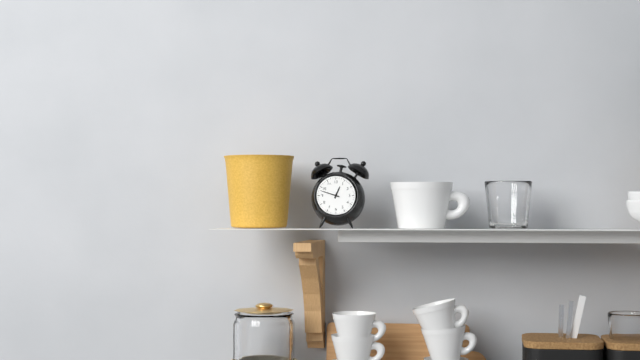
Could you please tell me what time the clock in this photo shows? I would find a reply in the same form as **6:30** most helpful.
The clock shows **12:48**
